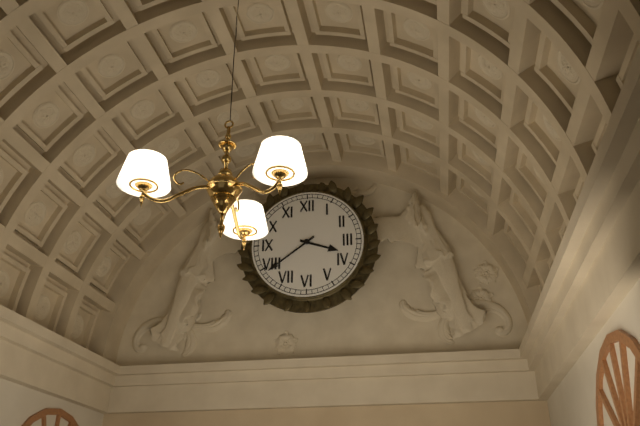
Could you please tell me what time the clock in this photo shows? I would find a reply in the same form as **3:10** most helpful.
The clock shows **3:39**
